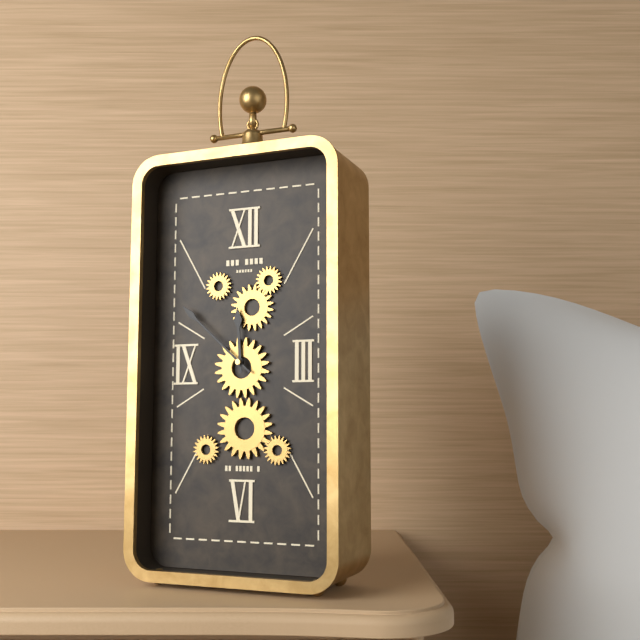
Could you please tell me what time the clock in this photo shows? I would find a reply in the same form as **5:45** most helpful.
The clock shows **11:52**
